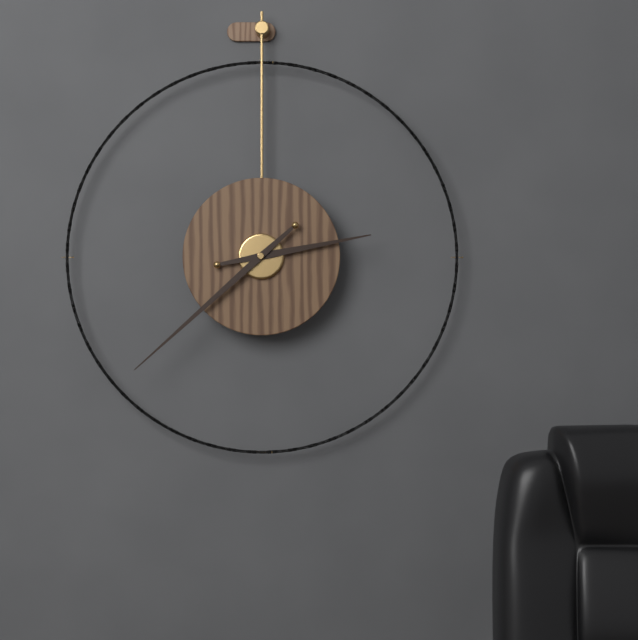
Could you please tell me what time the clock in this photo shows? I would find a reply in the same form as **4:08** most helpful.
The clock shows **2:38**
